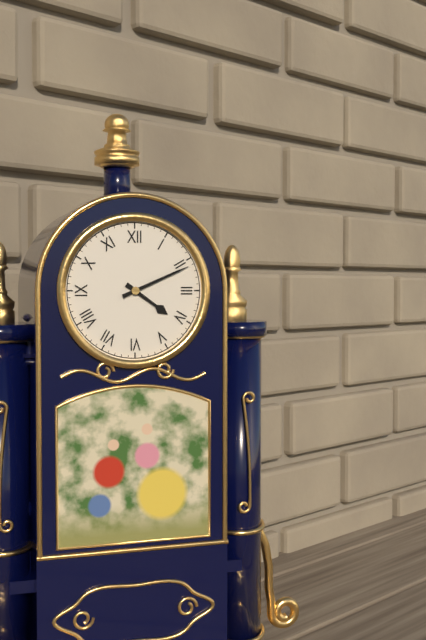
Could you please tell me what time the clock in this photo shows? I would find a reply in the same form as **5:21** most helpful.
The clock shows **4:11**
